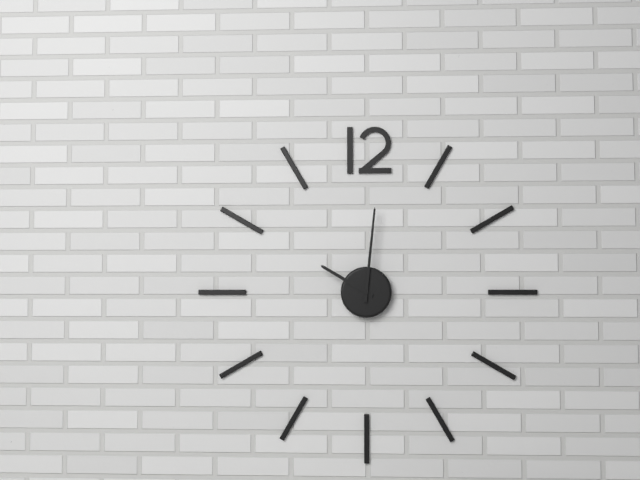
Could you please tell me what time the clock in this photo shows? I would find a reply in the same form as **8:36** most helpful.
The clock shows **10:01**
